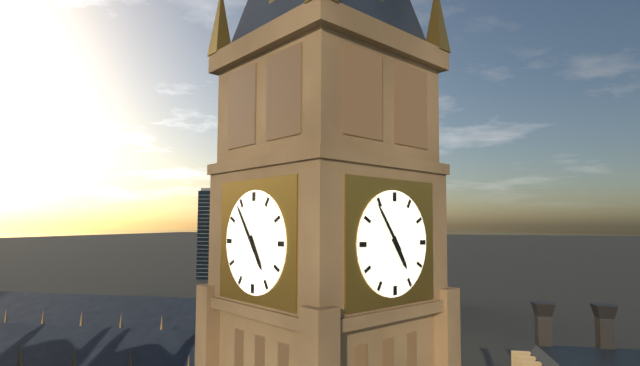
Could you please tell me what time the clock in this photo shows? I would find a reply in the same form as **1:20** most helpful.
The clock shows **4:54**
